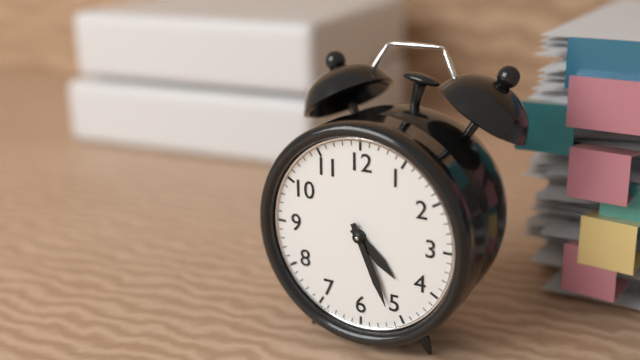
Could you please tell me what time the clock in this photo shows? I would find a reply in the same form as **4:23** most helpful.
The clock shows **4:26**
